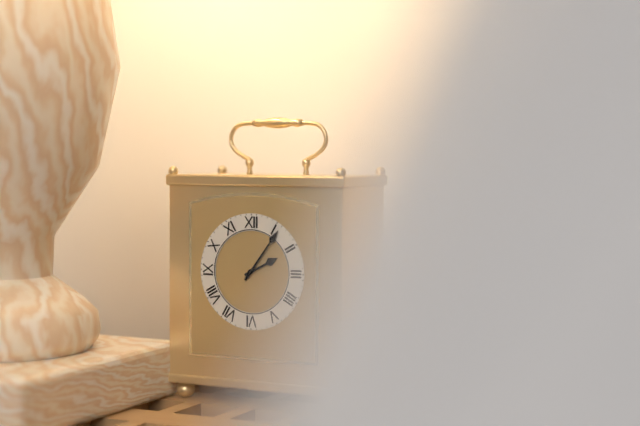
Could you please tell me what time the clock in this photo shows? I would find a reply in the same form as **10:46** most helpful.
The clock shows **2:06**
